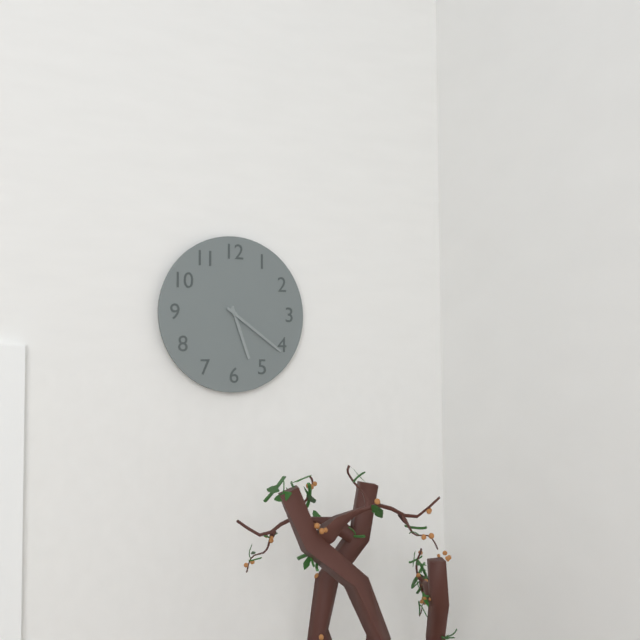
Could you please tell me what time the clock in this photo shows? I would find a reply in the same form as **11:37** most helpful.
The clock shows **5:21**
